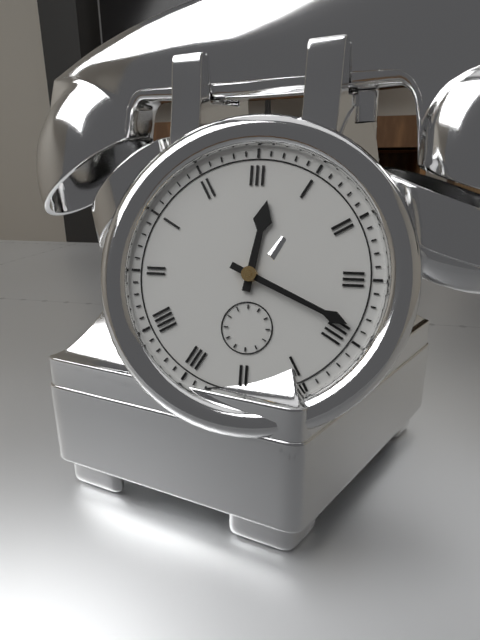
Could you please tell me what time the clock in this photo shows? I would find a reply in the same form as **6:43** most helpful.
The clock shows **12:19**
